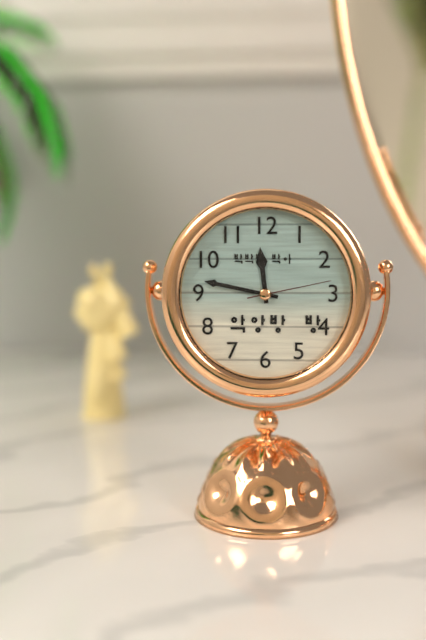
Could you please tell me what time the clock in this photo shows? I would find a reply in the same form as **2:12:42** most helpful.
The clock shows **11:47:13**
